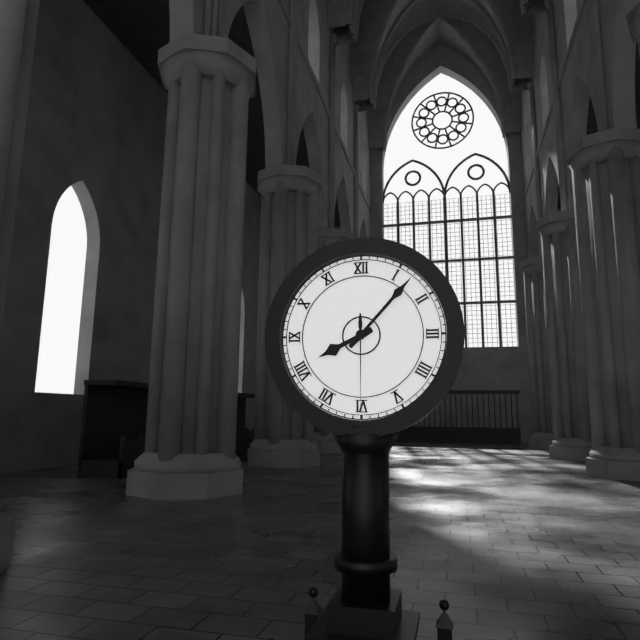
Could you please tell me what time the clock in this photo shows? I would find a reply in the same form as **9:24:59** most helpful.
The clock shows **8:07:30**
